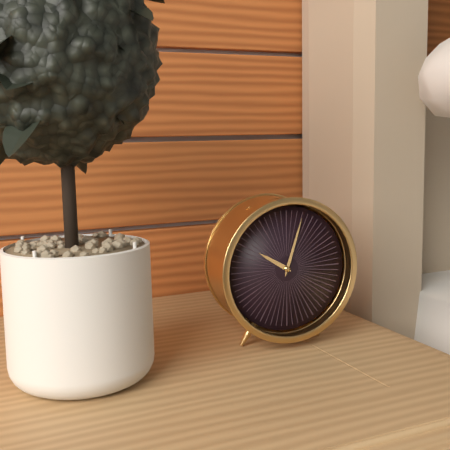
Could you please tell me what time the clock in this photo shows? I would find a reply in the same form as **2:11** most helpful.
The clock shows **10:03**
